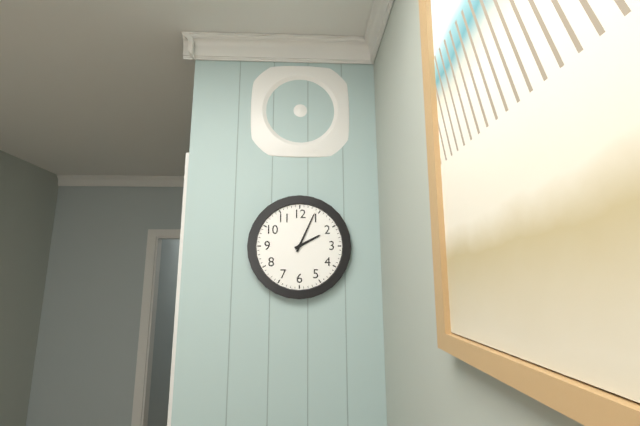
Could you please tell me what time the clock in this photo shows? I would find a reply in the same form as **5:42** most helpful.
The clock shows **2:04**
